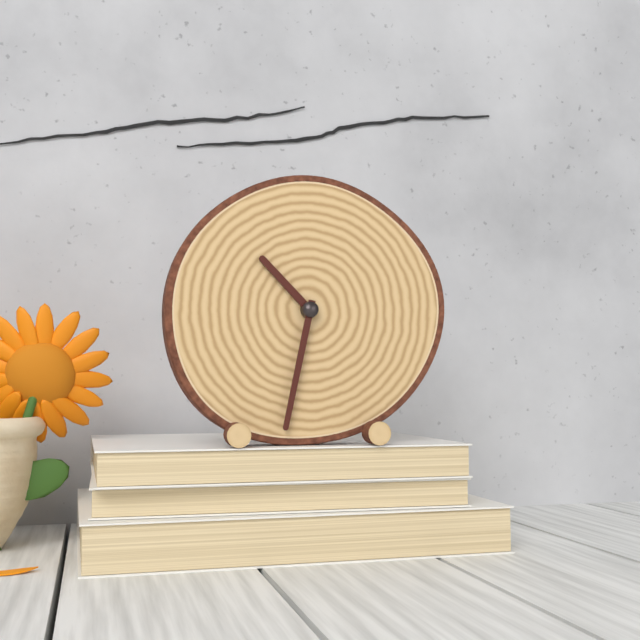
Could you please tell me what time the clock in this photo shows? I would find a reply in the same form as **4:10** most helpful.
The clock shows **10:32**
